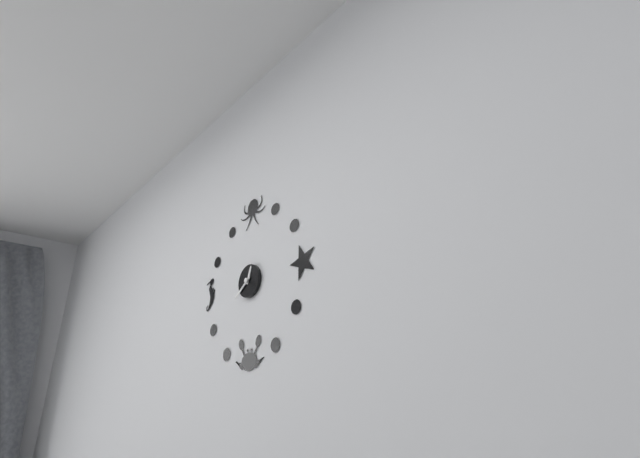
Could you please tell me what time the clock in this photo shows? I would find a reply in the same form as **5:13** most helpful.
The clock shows **12:39**
